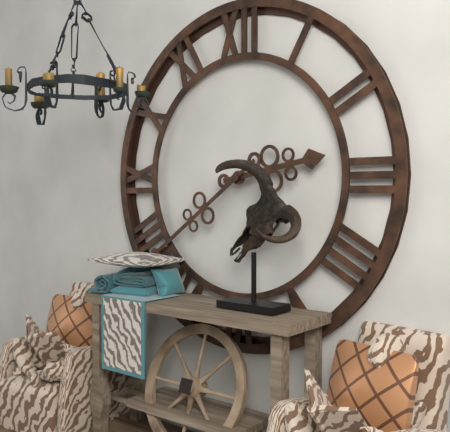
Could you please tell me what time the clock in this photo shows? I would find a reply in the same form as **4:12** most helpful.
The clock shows **2:39**
